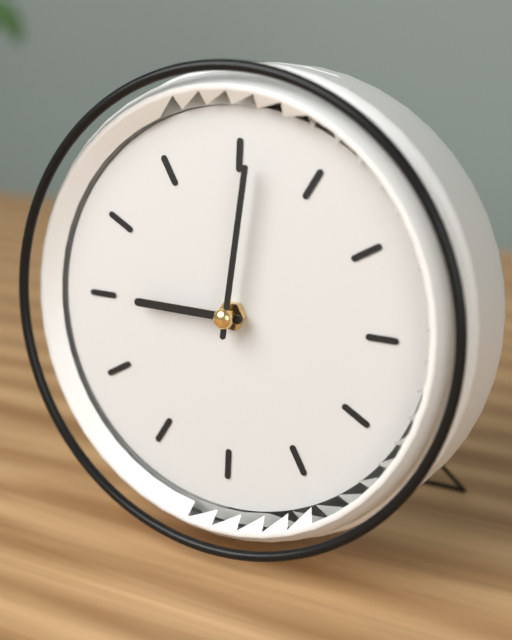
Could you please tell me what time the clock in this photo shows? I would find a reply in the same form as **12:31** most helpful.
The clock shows **9:01**
